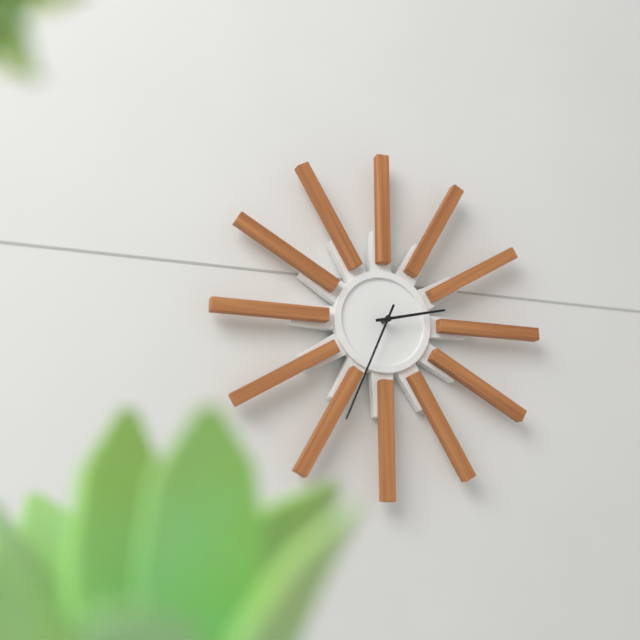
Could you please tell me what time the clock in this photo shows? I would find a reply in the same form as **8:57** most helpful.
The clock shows **2:34**
